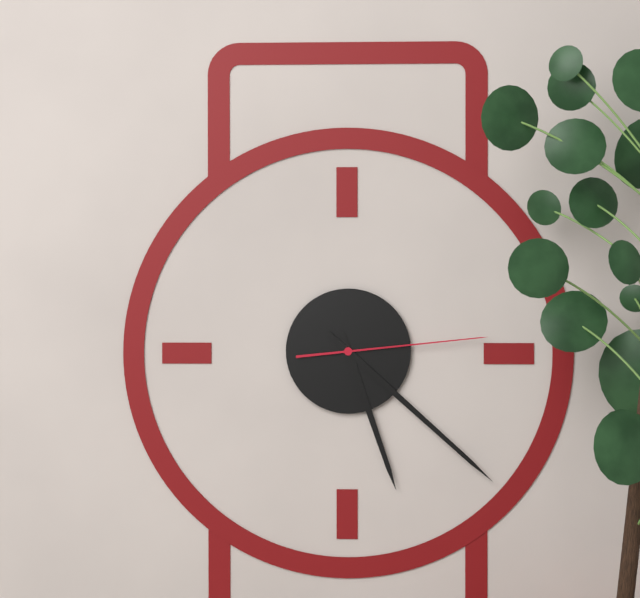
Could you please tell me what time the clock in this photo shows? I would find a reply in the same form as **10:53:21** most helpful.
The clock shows **5:22:14**
